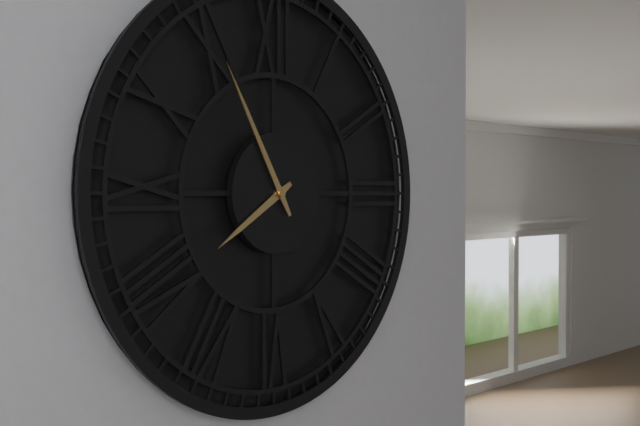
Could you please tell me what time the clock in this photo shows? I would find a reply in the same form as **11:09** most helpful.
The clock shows **7:55**
